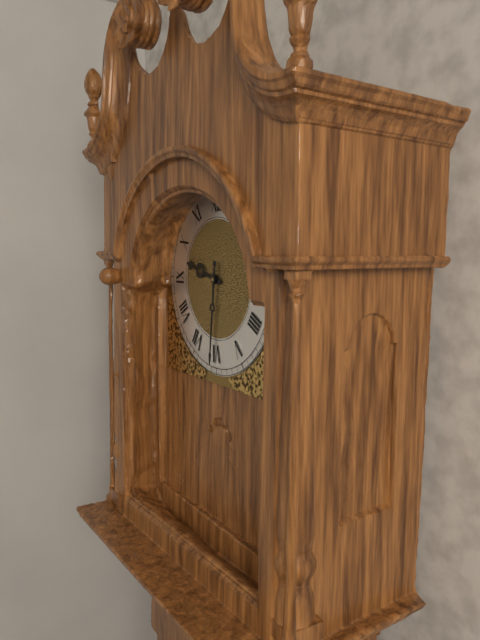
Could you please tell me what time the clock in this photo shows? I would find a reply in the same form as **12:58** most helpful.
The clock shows **9:31**
